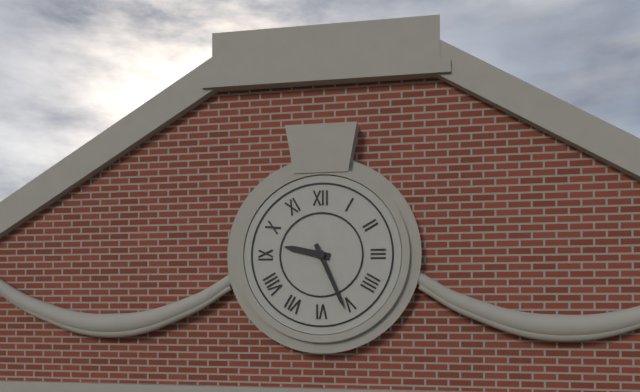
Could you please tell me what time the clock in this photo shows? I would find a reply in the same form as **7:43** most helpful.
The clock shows **9:26**
